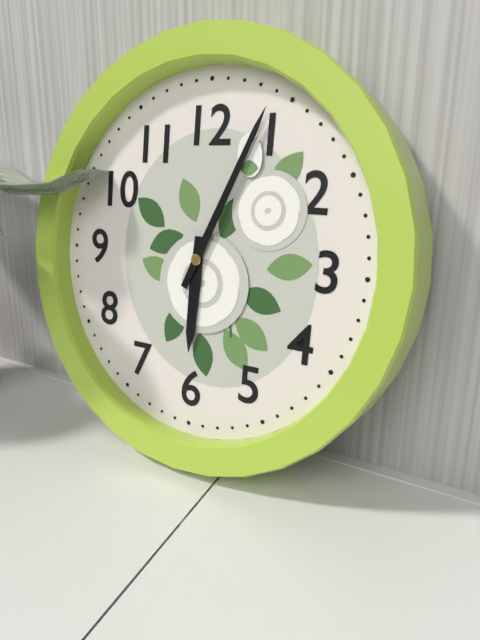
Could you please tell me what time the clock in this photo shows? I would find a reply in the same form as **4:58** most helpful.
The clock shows **6:04**
